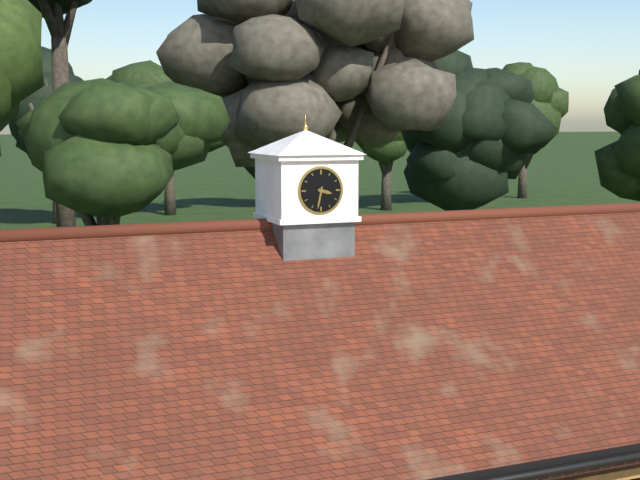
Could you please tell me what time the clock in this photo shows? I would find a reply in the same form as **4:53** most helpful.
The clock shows **3:32**
